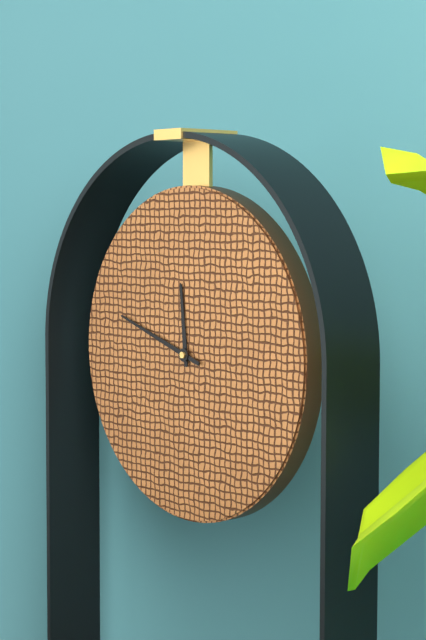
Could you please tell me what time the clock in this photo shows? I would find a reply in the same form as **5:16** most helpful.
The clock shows **11:48**
